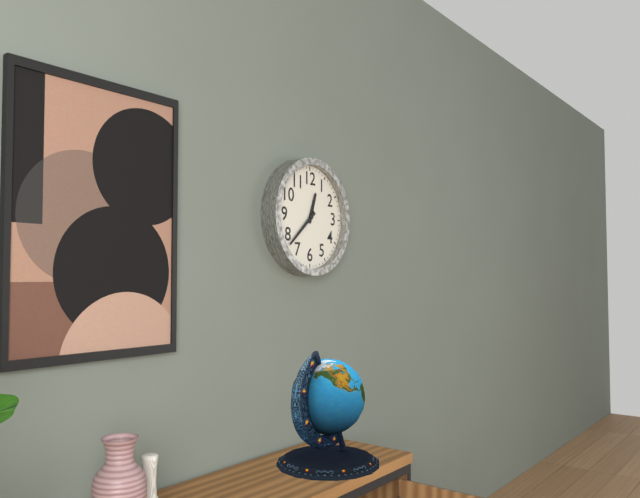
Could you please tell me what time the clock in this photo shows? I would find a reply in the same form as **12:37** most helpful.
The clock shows **12:38**
